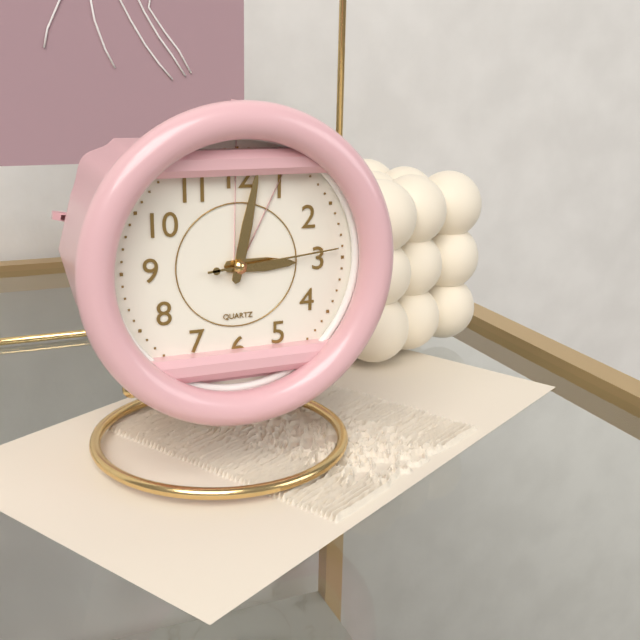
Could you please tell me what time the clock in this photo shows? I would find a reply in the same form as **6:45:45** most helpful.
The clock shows **3:02:14**
